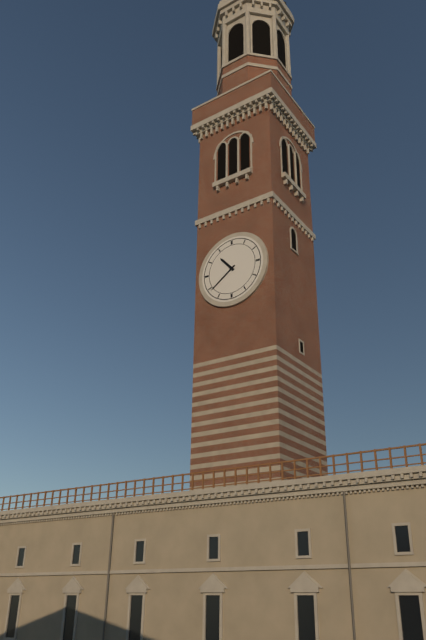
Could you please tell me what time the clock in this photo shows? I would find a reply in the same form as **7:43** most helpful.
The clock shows **10:39**
